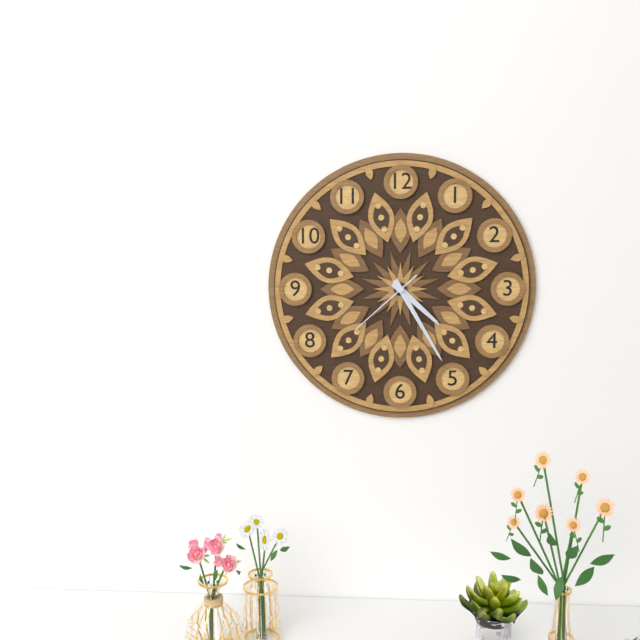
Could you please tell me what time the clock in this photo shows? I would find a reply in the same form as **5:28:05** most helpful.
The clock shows **4:25:38**
